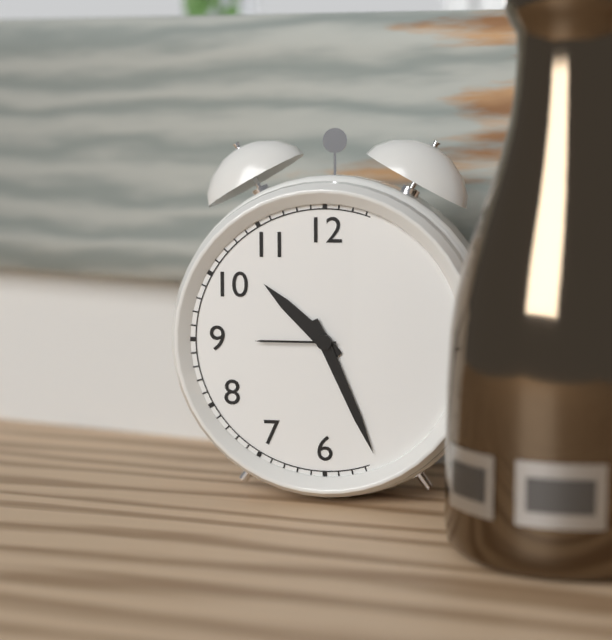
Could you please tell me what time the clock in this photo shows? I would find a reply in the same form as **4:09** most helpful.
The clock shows **10:26**
